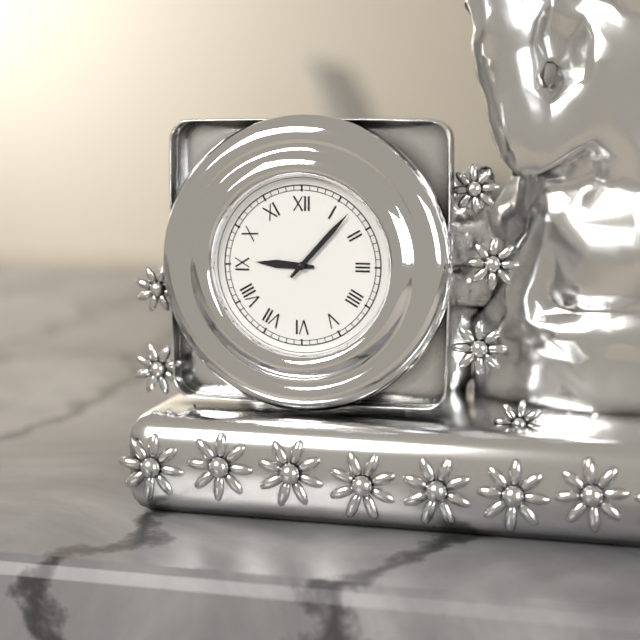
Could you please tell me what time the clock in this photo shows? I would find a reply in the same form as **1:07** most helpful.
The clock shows **9:07**
